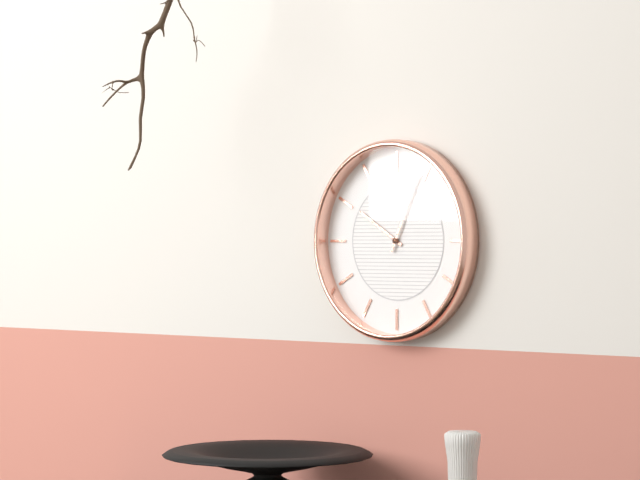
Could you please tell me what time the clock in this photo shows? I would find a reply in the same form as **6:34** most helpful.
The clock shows **10:04**
